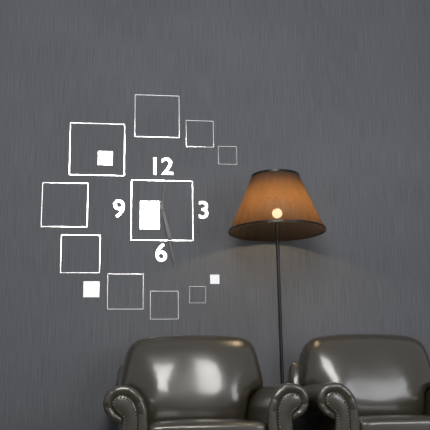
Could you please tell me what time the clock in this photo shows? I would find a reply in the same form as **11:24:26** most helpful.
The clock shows **5:28:01**
